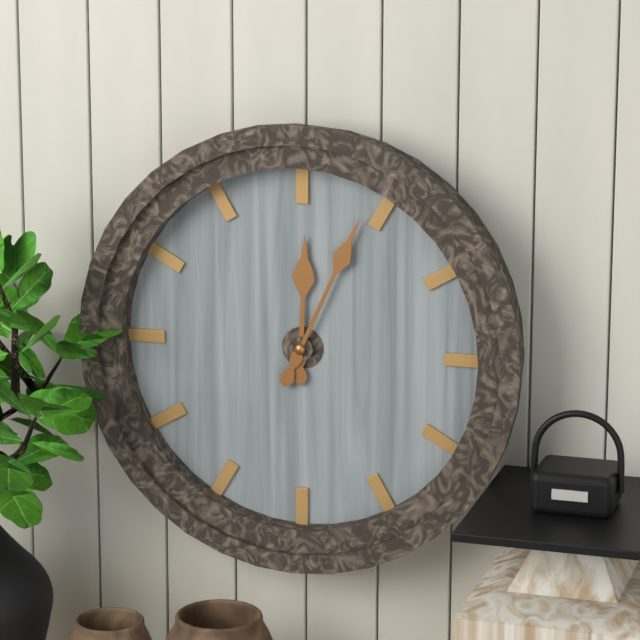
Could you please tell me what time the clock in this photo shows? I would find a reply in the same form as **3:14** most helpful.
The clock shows **12:04**
